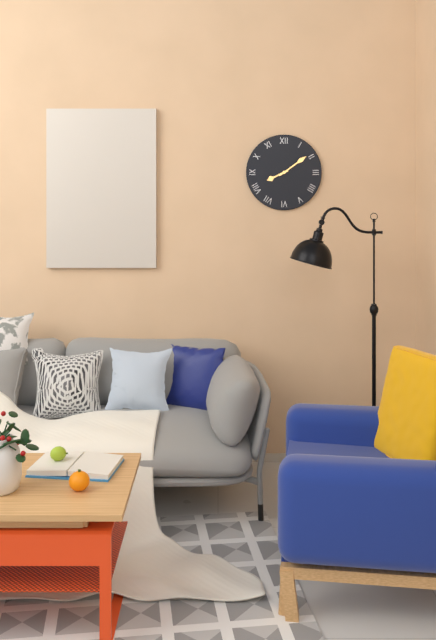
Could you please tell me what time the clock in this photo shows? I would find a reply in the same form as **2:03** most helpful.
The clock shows **8:09**
